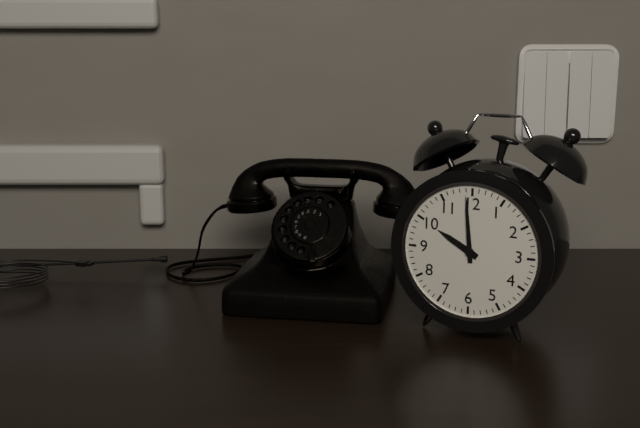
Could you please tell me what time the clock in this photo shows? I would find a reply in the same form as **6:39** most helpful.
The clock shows **9:59**
